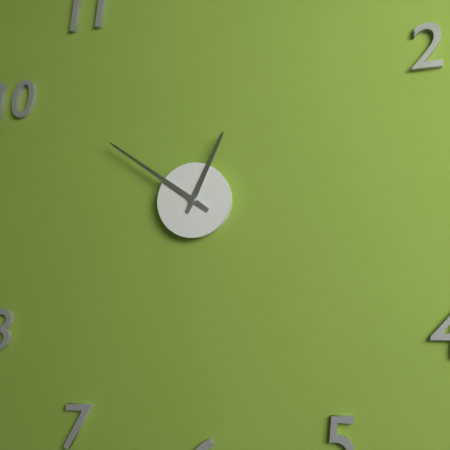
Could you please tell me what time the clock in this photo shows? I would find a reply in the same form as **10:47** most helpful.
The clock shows **12:51**
